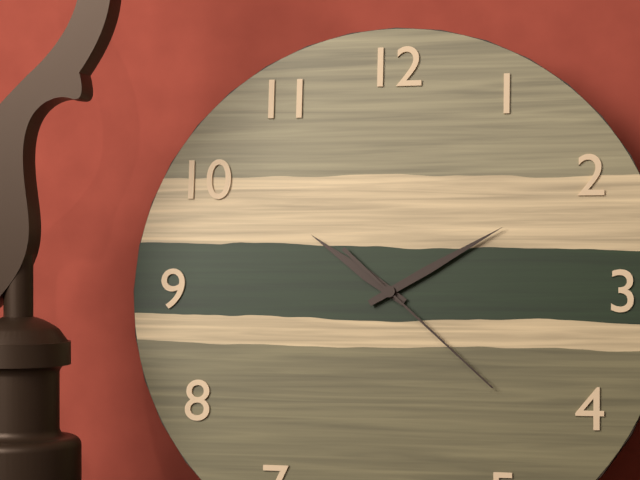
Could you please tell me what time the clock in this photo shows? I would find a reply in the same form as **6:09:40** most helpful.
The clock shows **10:10:22**
